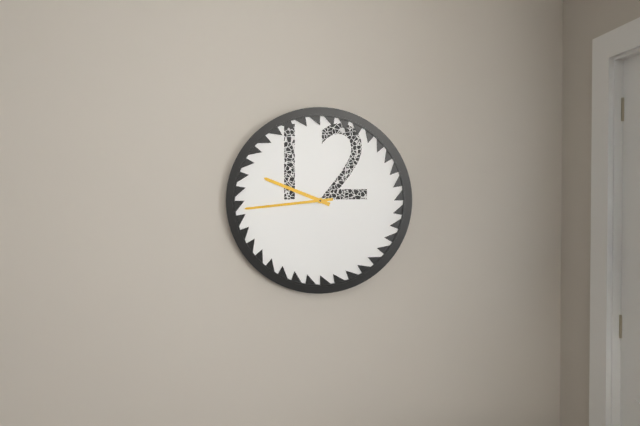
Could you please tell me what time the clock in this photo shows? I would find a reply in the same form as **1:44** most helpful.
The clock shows **9:44**
